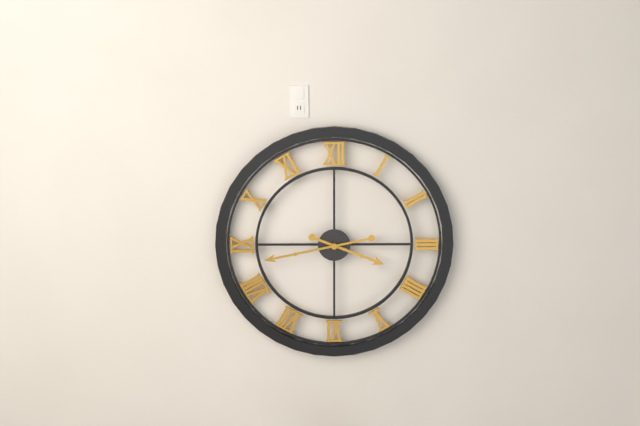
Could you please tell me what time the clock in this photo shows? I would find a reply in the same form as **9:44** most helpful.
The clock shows **3:43**
